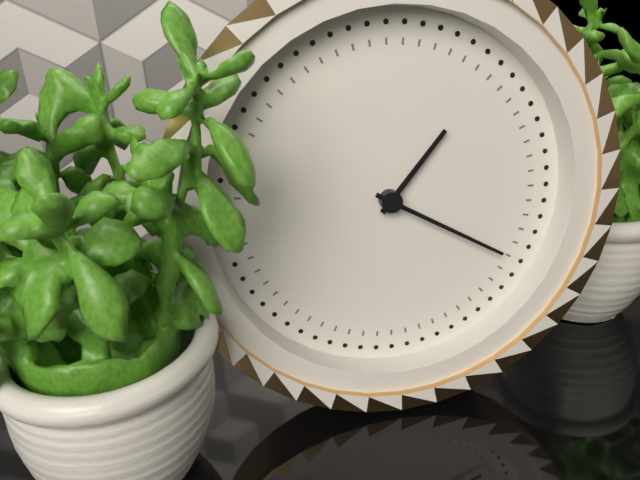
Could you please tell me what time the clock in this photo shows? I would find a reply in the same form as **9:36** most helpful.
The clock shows **1:20**
